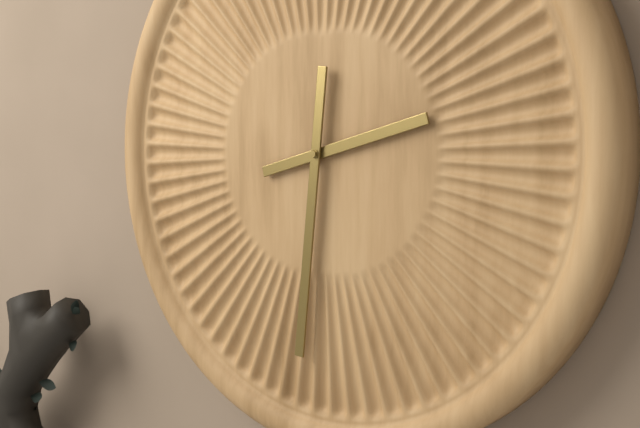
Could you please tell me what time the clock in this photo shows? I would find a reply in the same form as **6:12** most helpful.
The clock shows **2:31**
